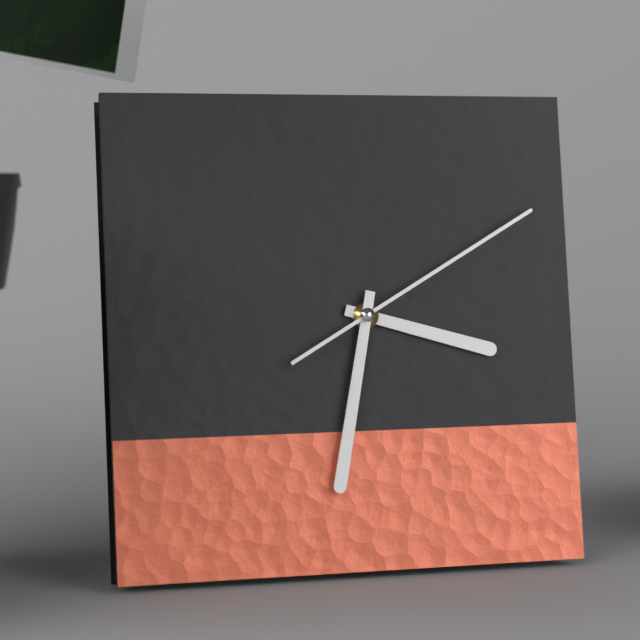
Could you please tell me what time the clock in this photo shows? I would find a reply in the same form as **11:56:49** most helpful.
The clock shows **3:32:10**
